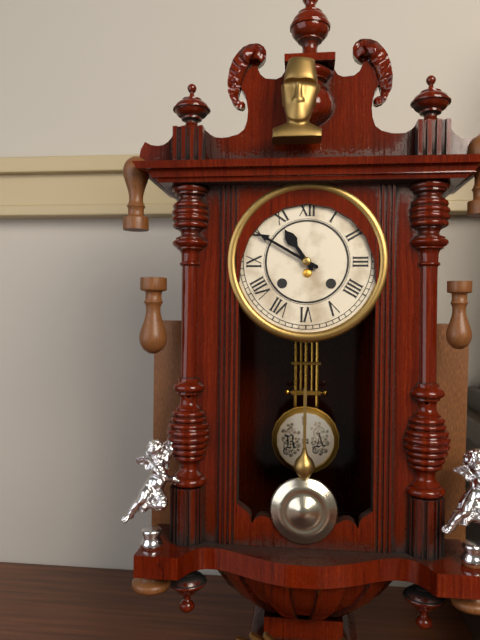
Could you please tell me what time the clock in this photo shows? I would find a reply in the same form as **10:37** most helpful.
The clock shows **10:50**
